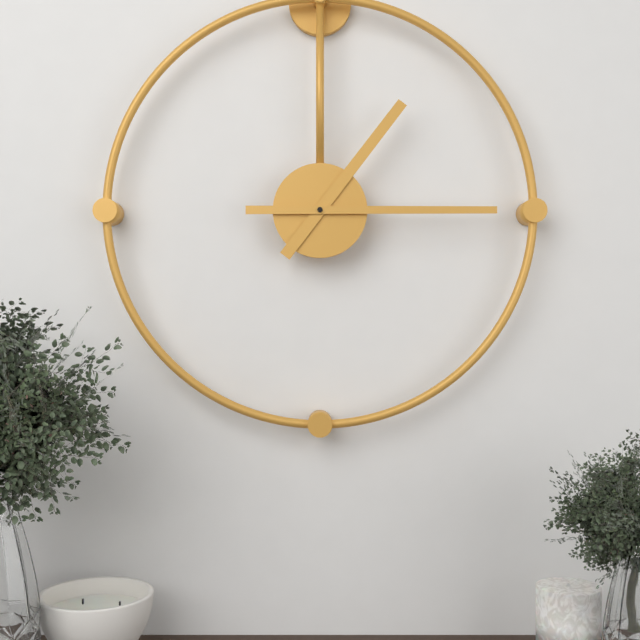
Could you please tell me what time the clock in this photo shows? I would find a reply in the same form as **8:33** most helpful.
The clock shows **1:15**
